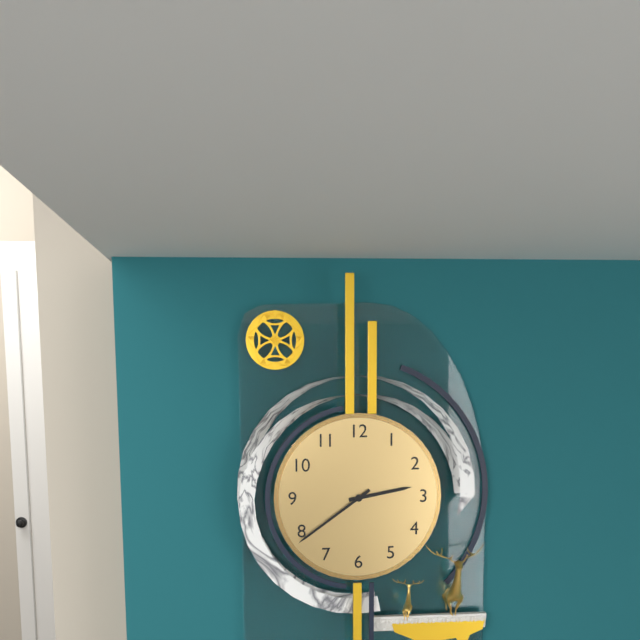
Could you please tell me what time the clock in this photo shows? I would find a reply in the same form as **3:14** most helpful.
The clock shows **2:39**
